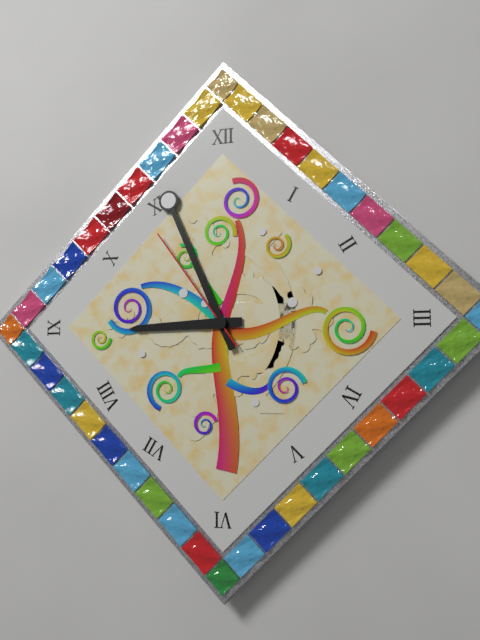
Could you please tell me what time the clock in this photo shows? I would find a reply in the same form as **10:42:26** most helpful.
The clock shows **8:56:54**
